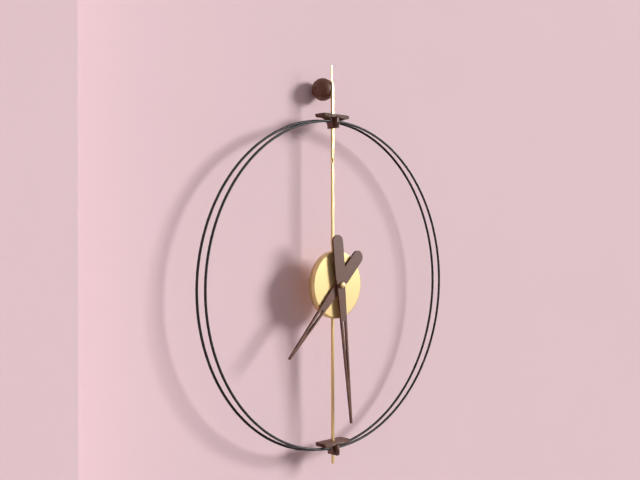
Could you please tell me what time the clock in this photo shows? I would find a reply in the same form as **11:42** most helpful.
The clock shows **7:29**
